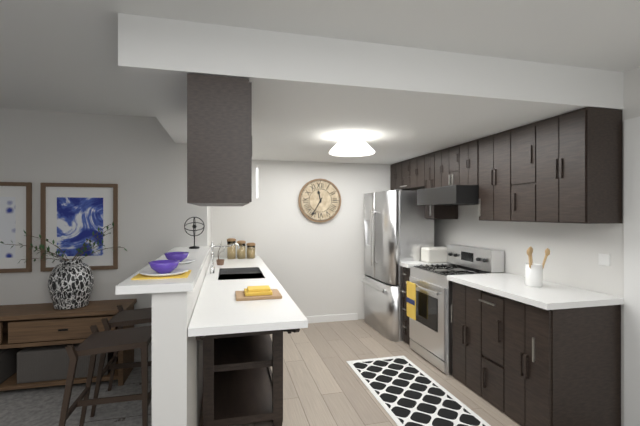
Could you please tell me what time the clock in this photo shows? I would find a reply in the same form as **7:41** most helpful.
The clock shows **11:35**
